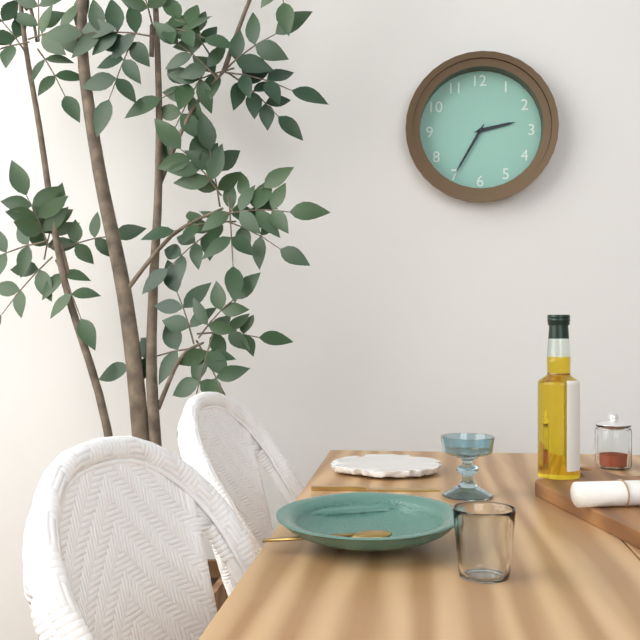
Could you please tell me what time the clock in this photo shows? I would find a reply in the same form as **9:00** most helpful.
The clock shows **2:35**
